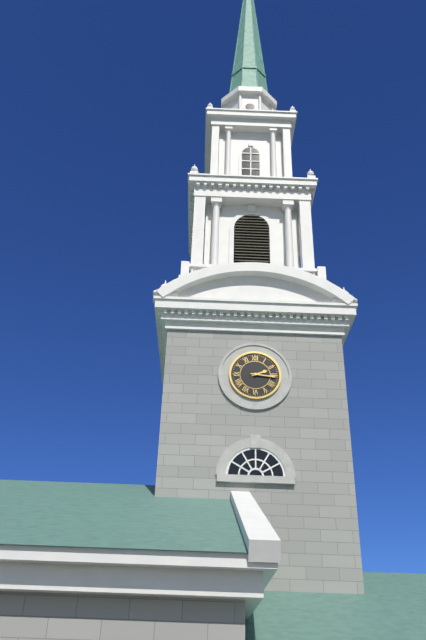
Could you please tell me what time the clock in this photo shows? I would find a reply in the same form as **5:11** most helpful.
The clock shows **2:16**
